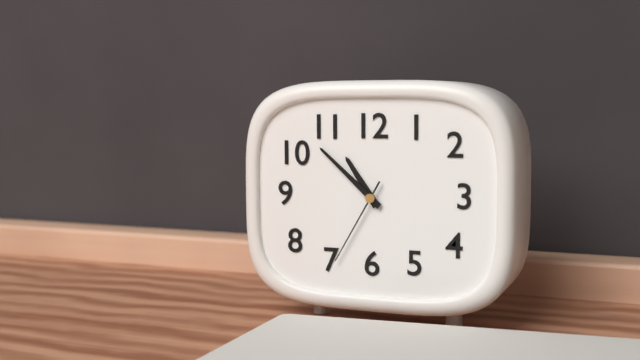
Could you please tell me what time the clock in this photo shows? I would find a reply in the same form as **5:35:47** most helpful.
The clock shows **10:52:35**
